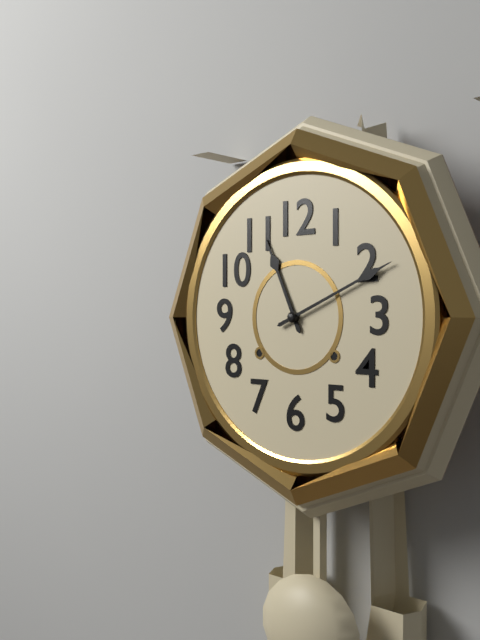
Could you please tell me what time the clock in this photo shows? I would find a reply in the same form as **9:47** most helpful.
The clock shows **11:11**
